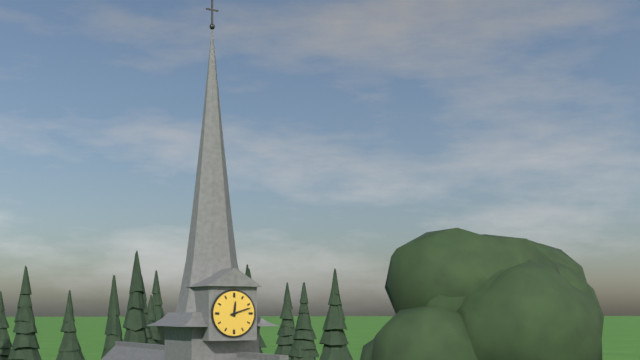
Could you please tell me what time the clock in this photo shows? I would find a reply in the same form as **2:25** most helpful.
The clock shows **12:12**
